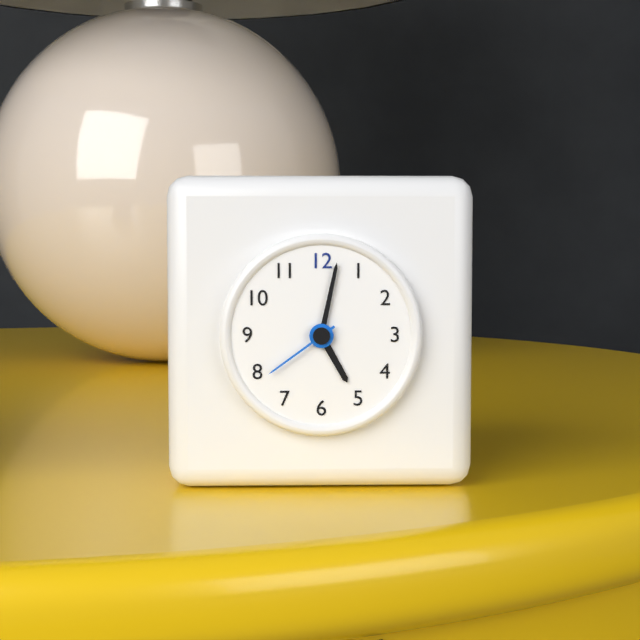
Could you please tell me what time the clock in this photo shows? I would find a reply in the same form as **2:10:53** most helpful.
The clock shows **5:02:39**
